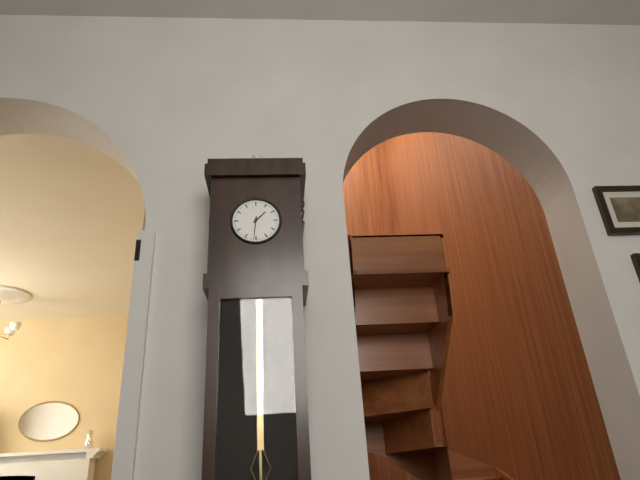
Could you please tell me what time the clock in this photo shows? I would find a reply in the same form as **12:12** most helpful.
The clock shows **1:31**
